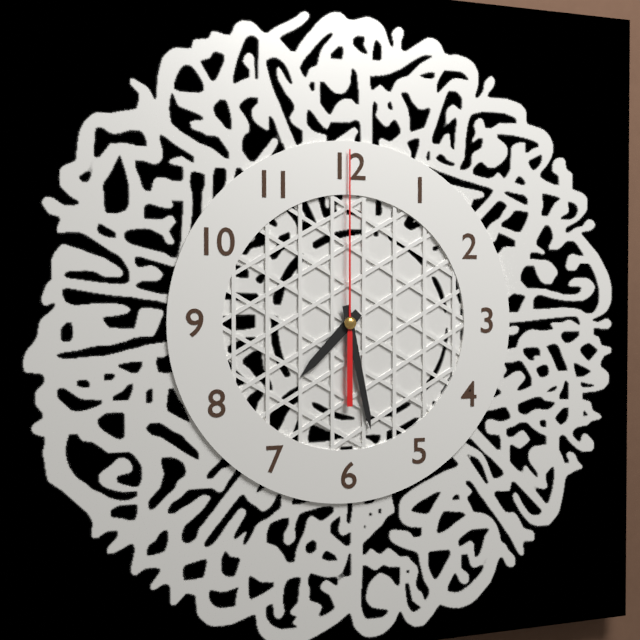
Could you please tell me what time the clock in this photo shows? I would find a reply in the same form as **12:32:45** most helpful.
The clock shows **7:28:00**
